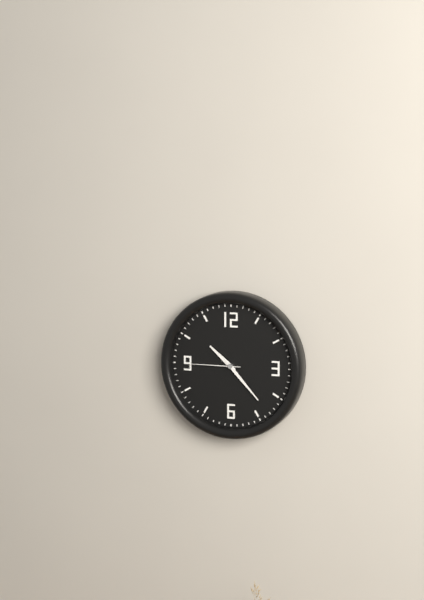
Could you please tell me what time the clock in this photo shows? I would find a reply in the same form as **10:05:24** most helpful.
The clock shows **10:23:45**
